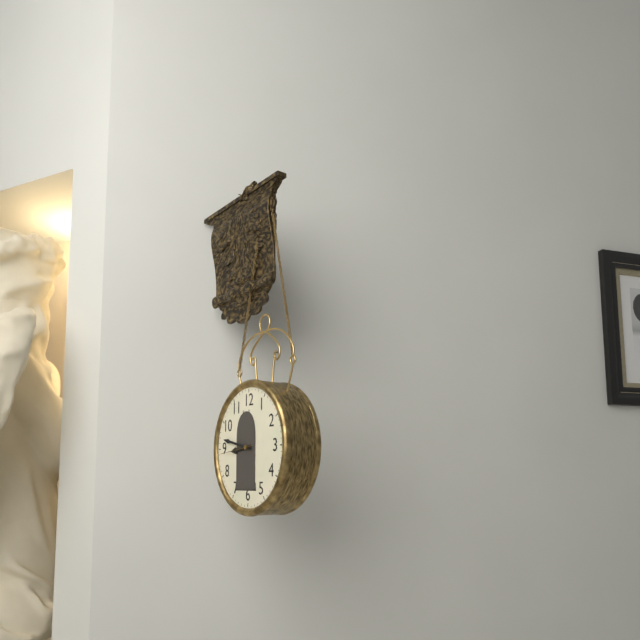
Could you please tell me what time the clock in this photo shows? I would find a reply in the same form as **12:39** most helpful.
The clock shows **8:47**
